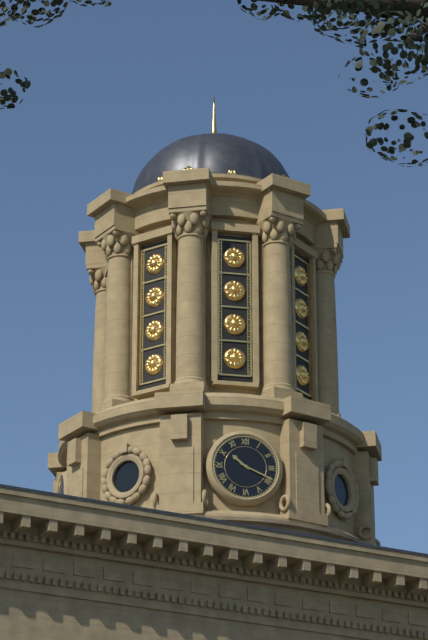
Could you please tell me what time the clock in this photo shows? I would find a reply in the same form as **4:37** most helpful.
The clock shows **10:19**
